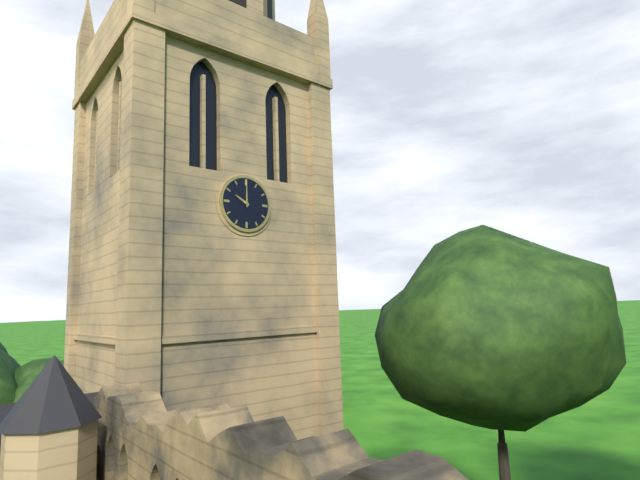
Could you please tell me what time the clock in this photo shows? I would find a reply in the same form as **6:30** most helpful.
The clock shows **10:00**
